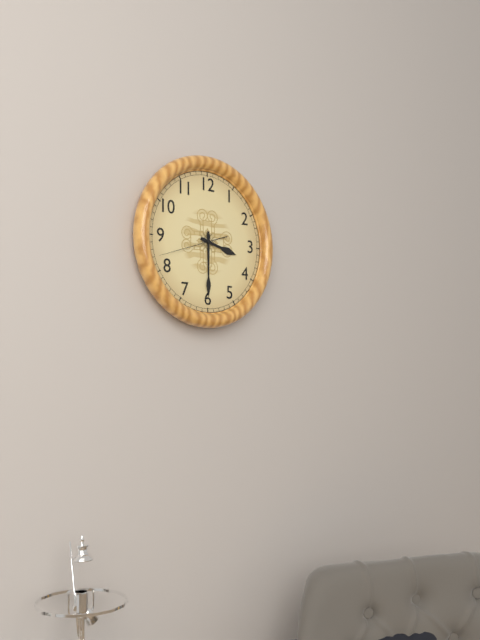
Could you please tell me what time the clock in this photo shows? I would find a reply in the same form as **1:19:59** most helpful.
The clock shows **3:30:42**
